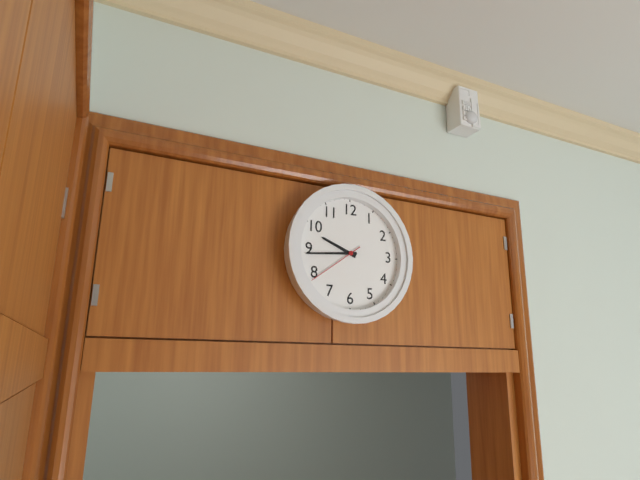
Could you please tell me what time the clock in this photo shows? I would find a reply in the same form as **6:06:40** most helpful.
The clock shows **9:44:39**
